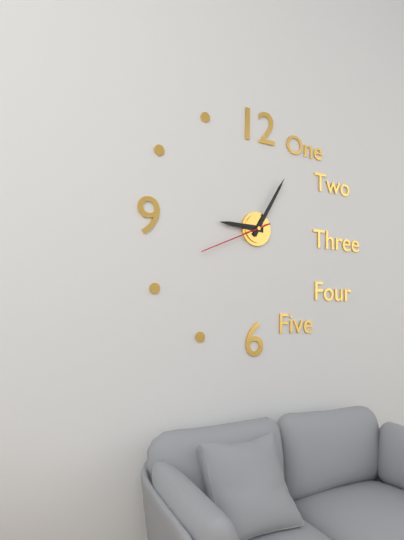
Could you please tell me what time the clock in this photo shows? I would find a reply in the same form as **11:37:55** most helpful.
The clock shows **9:05:41**
